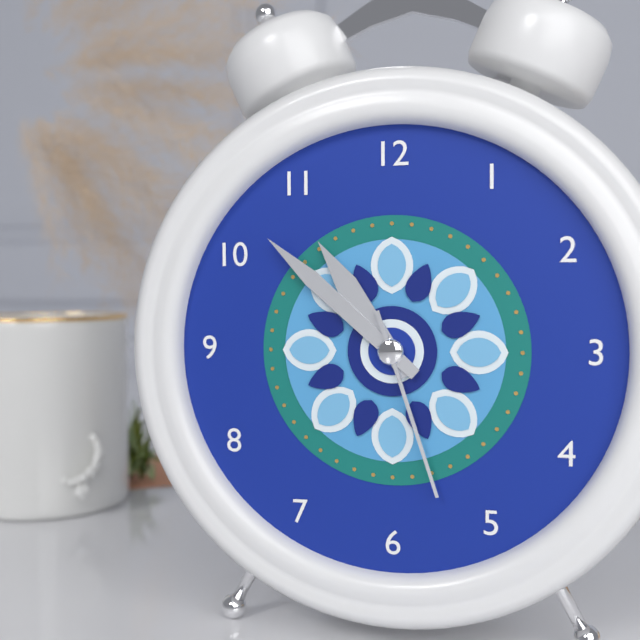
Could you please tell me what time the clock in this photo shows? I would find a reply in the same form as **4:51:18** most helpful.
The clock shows **10:52:27**
